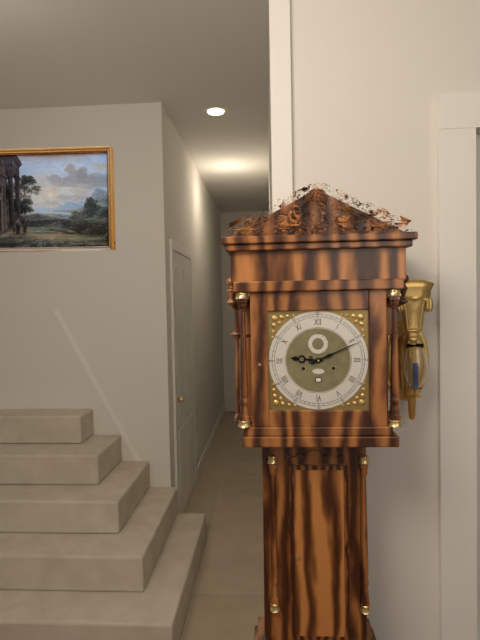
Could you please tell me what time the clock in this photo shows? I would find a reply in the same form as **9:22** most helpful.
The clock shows **9:11**
